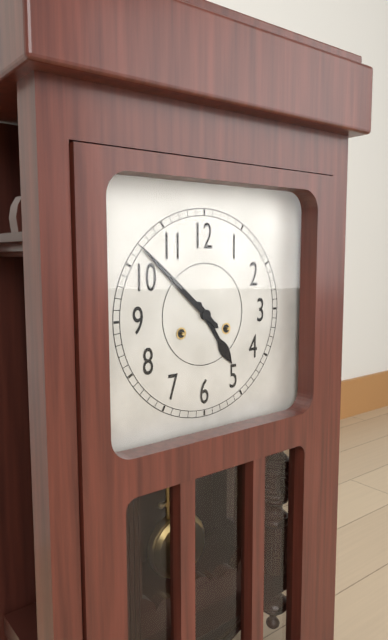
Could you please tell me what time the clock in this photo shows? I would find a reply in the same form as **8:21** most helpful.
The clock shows **4:52**
